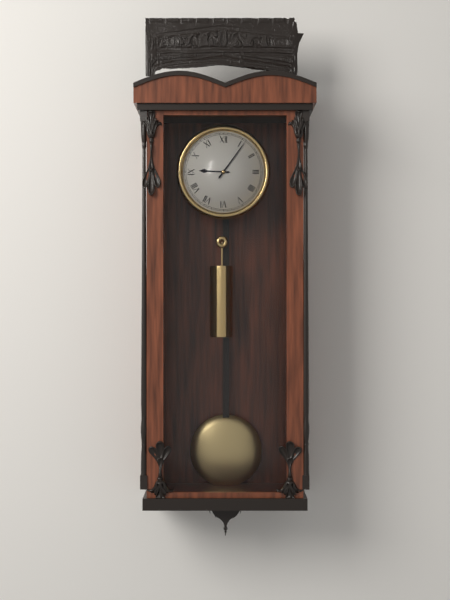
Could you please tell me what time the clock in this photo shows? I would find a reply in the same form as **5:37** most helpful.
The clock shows **9:06**
